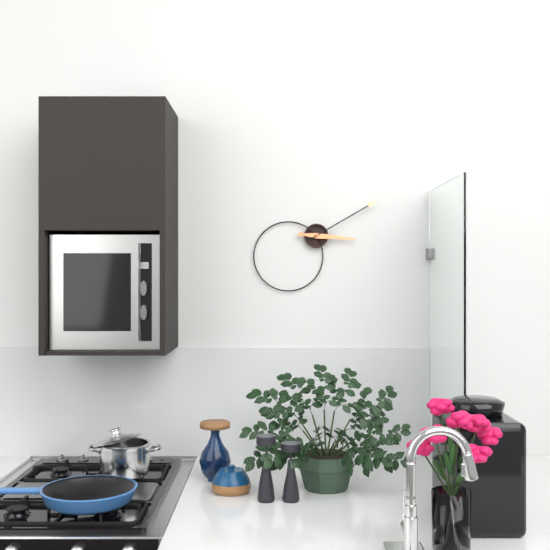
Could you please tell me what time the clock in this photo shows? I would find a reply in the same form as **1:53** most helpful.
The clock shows **3:10**
